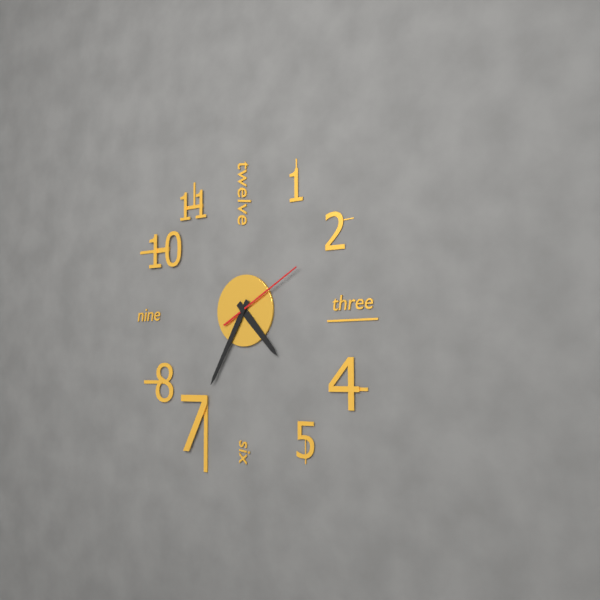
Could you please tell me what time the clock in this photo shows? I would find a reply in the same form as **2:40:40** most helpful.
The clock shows **4:35:10**
